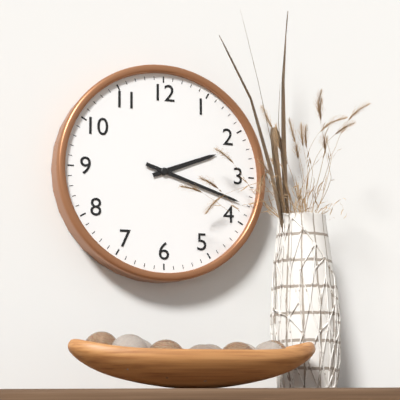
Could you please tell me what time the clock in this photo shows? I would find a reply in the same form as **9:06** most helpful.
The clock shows **2:18**
